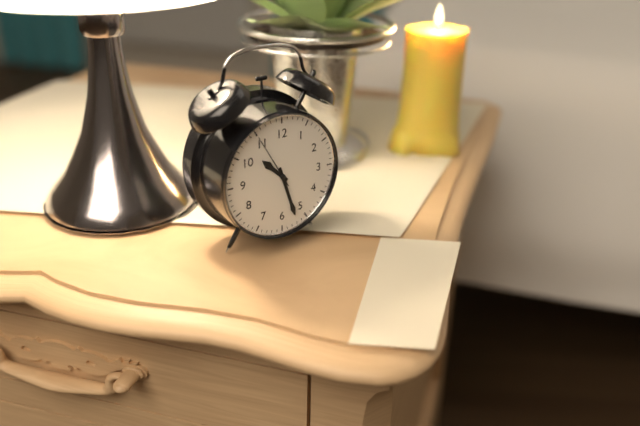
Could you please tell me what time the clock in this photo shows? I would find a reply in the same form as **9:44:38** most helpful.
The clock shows **10:27:55**
